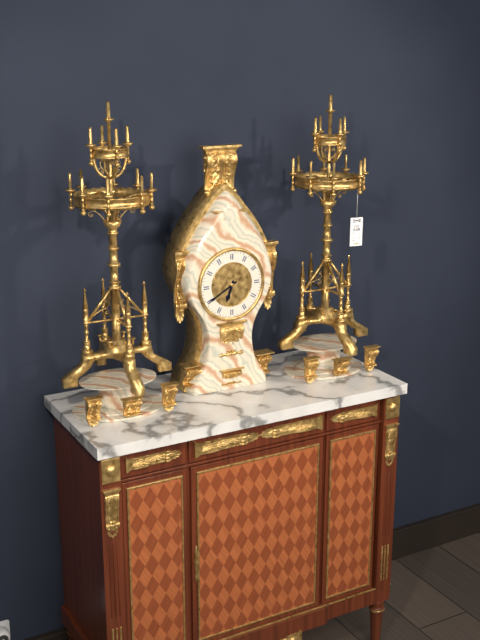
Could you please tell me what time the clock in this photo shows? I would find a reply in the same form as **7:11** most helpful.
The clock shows **6:40**
